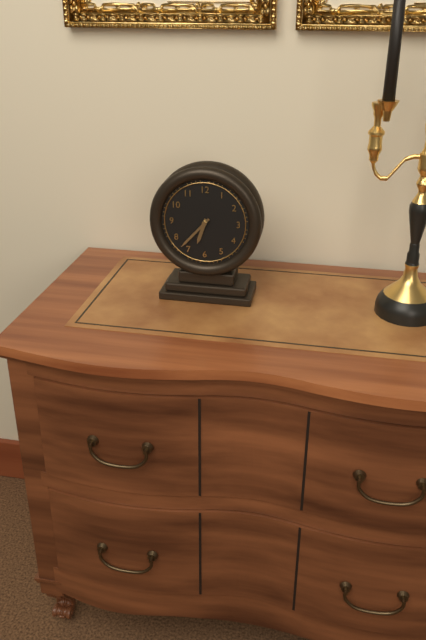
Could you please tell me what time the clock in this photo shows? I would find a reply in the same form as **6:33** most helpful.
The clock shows **6:37**
